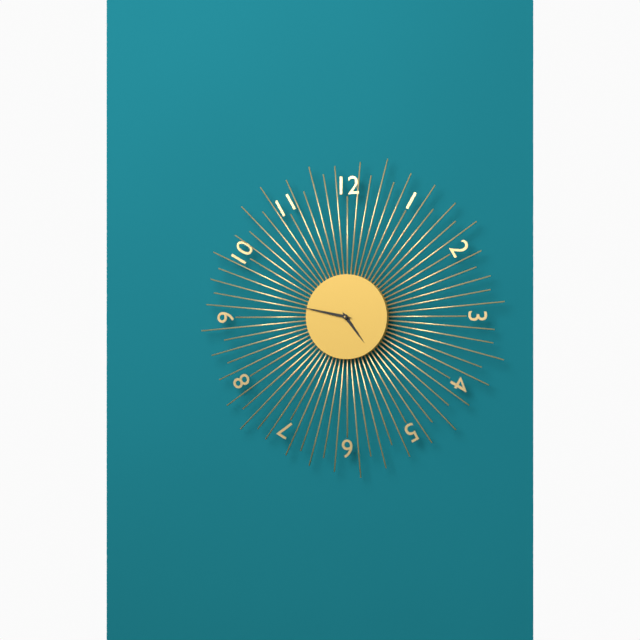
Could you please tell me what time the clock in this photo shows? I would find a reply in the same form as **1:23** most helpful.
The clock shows **4:47**
